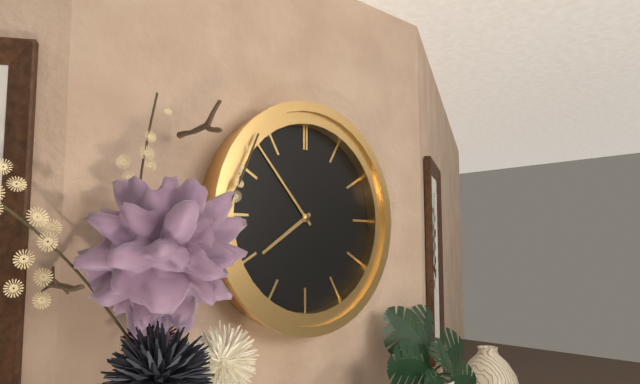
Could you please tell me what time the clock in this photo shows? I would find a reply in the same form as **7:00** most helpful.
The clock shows **7:53**
